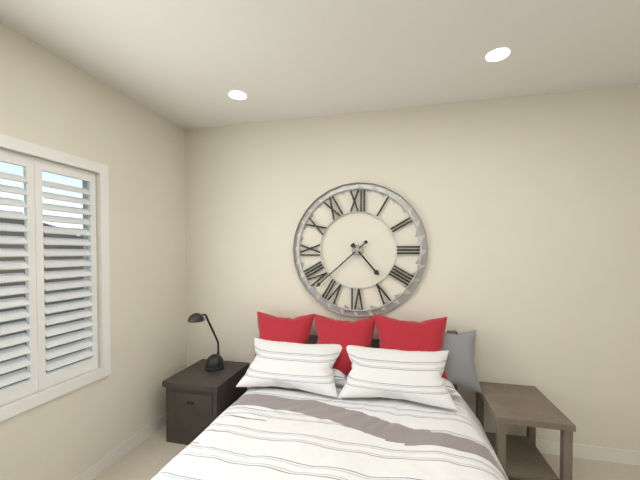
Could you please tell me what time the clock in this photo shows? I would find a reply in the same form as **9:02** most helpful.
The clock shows **4:38**
